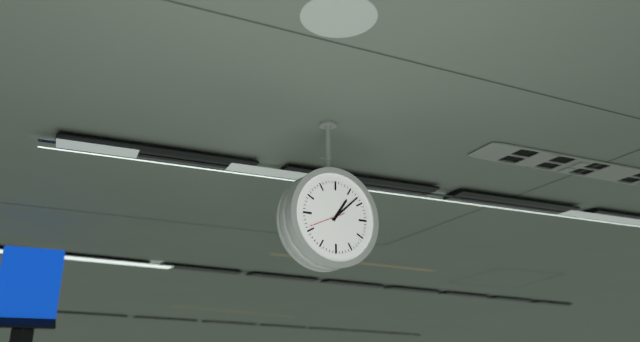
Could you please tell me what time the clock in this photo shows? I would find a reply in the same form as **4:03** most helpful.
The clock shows **1:08**
